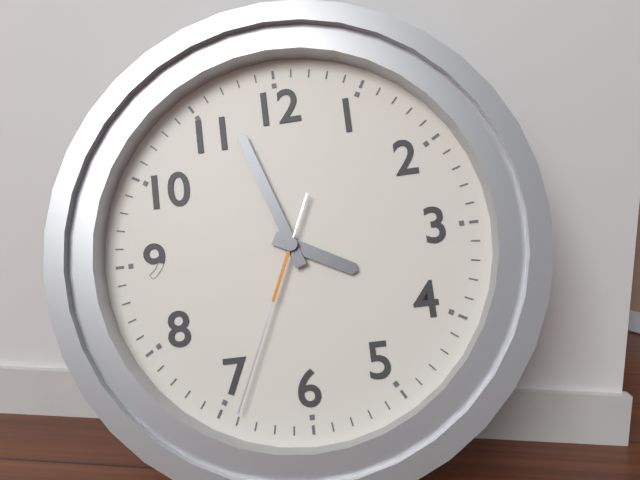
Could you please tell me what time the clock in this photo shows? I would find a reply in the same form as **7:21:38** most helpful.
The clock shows **3:57:34**
